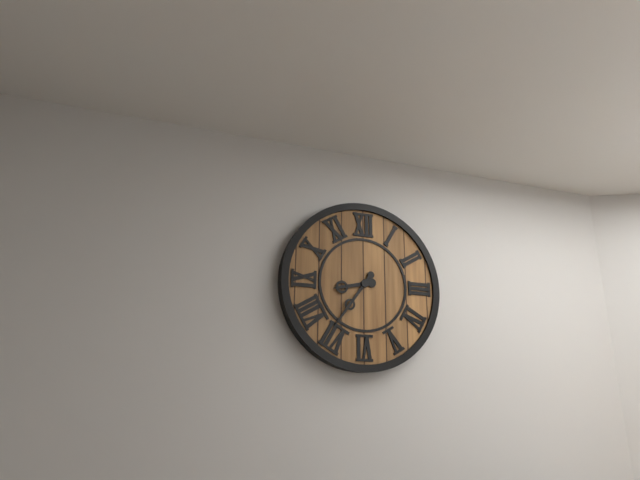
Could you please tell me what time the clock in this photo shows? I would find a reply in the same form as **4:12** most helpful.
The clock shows **8:36**
